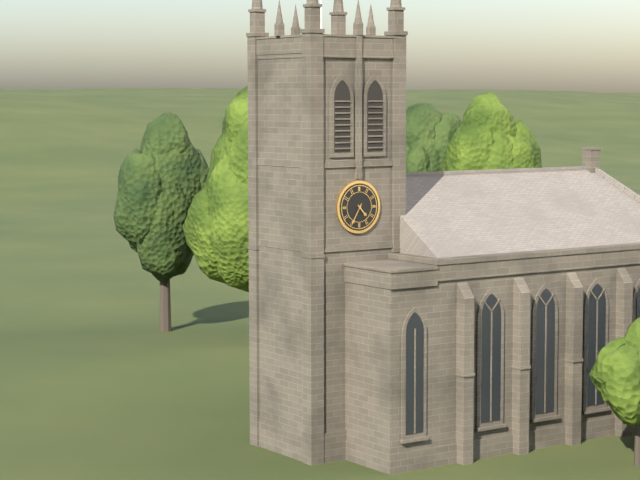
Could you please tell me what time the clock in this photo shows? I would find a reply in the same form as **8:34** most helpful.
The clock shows **4:35**
